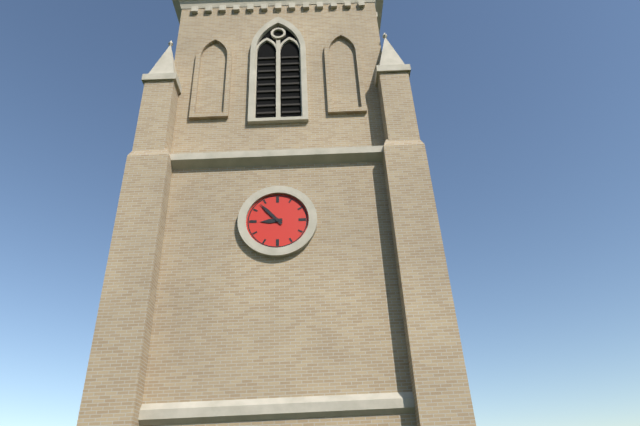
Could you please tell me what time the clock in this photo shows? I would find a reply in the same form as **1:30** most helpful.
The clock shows **8:53**
